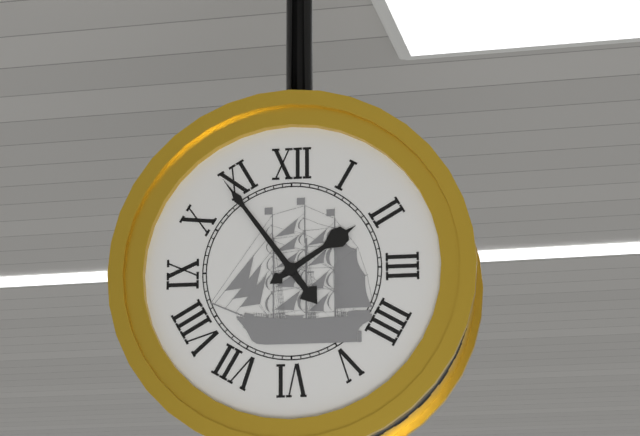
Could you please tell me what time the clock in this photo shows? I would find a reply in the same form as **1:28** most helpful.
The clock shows **1:54**
